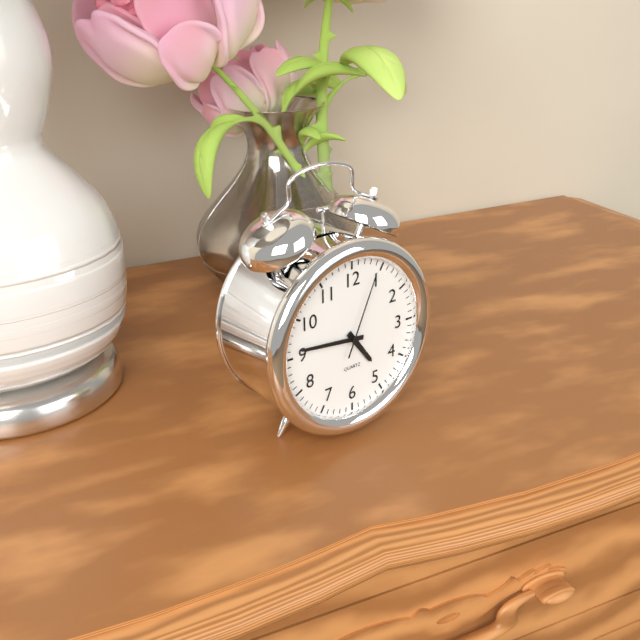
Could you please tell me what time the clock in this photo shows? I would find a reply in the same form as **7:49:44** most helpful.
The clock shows **4:46:04**
